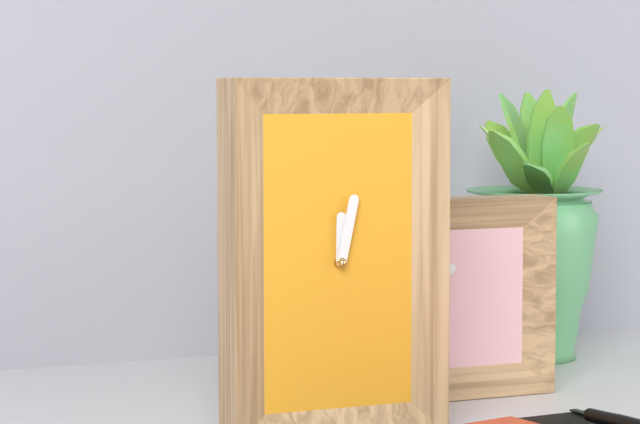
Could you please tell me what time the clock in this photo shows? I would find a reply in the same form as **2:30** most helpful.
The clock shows **12:02**
